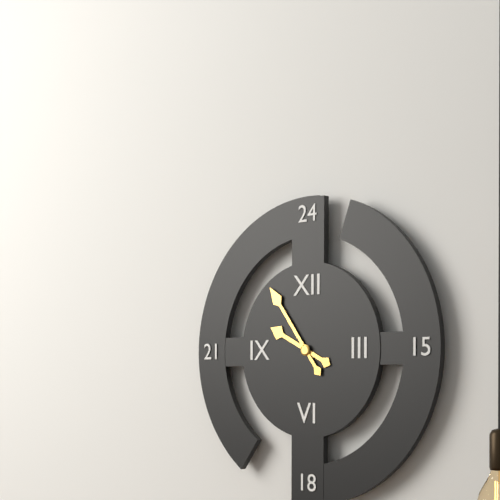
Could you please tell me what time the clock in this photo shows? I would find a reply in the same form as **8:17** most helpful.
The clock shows **9:54**
